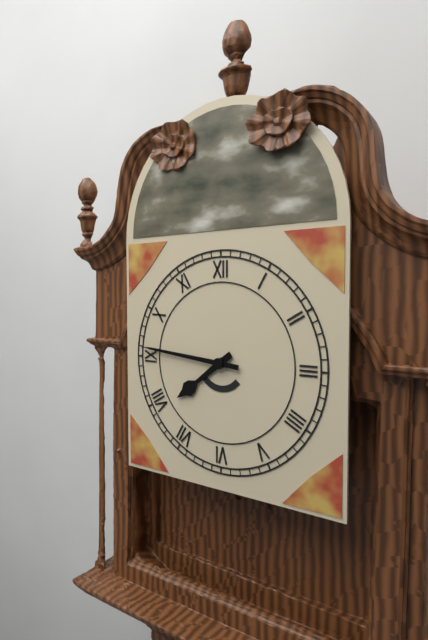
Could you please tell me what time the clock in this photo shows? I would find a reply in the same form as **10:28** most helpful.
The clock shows **7:46**
